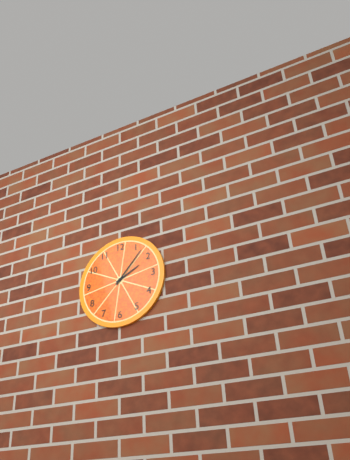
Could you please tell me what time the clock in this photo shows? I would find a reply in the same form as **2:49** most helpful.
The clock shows **2:07**
